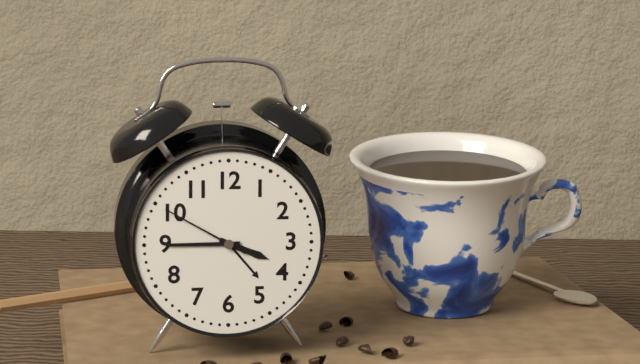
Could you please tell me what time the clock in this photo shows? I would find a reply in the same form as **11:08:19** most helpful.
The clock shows **3:45:50**
